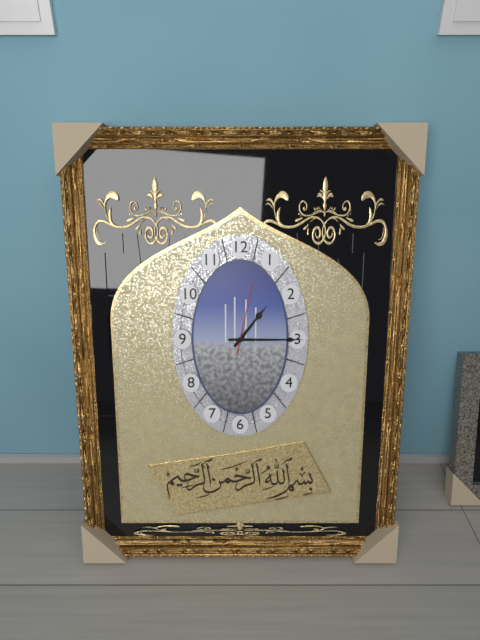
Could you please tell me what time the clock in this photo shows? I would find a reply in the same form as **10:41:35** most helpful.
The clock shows **1:15:02**
